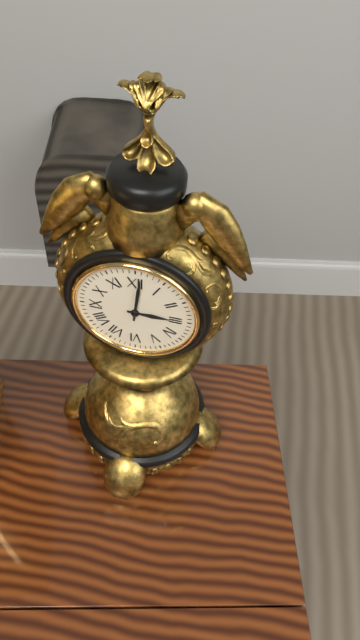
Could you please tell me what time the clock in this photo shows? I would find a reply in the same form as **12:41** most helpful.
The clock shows **3:01**
